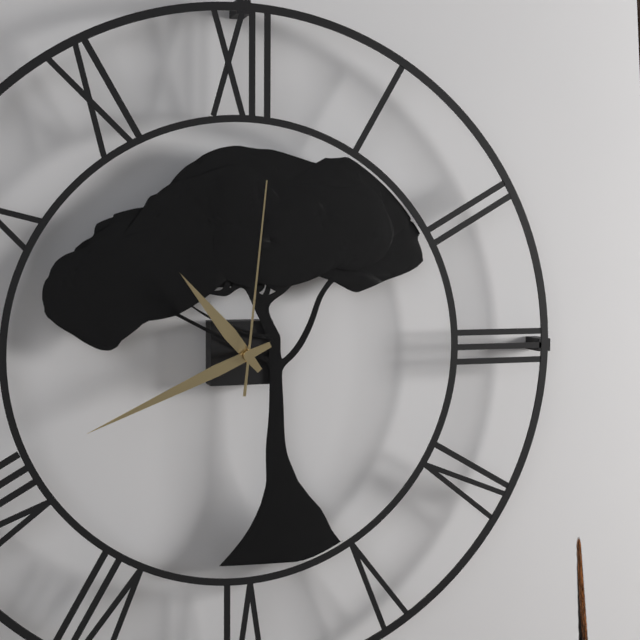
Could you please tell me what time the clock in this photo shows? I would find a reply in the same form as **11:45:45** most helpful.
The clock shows **10:41:01**
